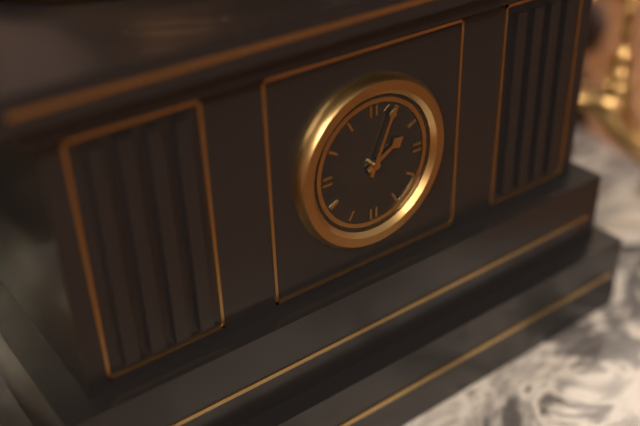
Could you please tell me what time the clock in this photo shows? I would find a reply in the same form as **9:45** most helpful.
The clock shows **2:04**
